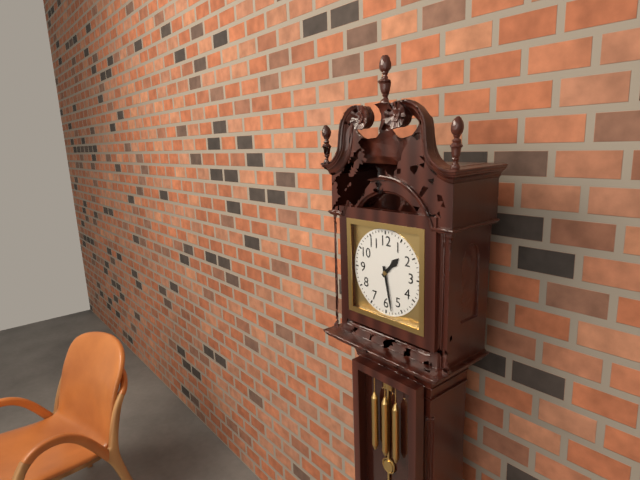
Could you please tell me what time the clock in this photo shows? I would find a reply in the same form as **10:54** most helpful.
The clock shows **1:28**
